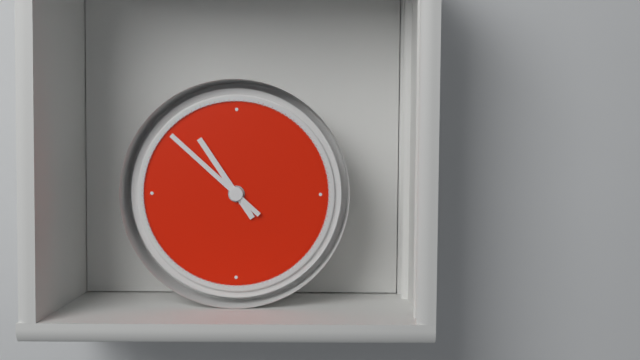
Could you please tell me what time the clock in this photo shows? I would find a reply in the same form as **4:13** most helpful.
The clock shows **10:52**
